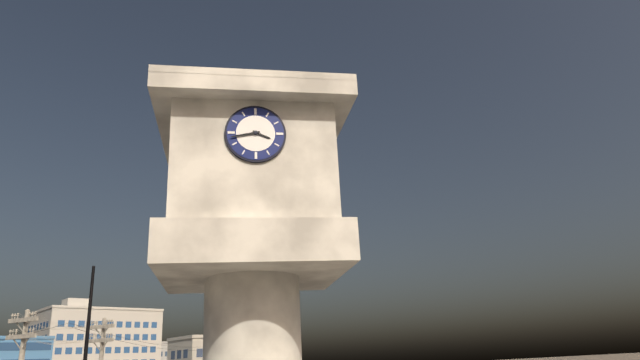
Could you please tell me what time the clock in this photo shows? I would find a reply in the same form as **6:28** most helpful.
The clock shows **3:43**
